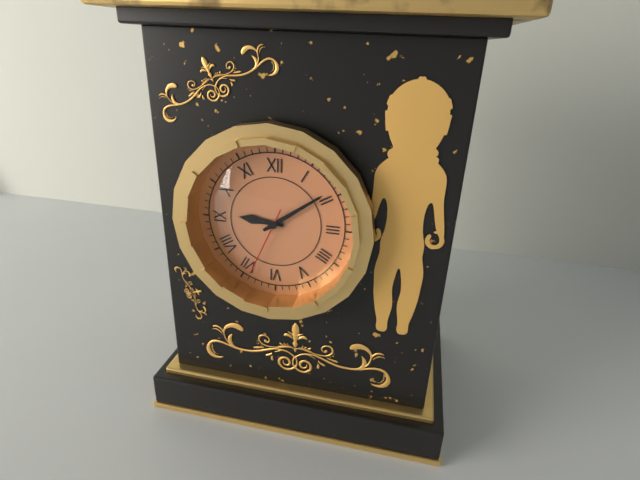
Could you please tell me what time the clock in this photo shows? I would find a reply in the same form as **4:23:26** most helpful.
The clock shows **9:09:34**
